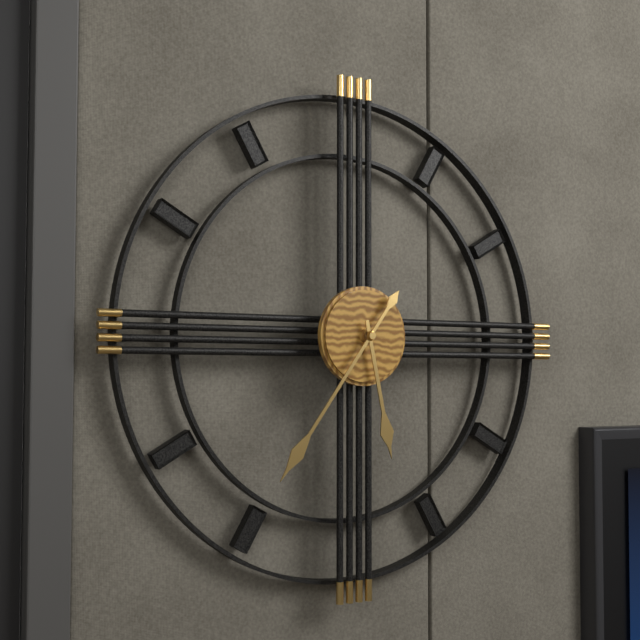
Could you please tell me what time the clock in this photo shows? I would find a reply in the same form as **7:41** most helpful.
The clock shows **5:36**
